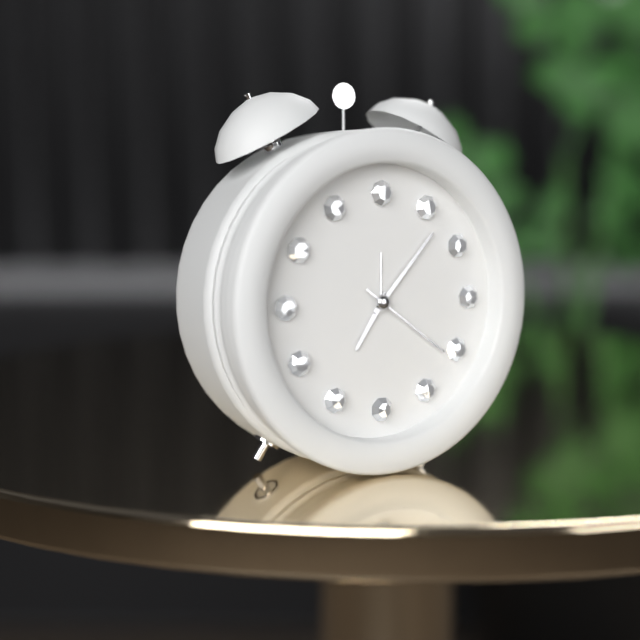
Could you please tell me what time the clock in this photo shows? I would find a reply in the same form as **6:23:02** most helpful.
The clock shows **7:07:21**
